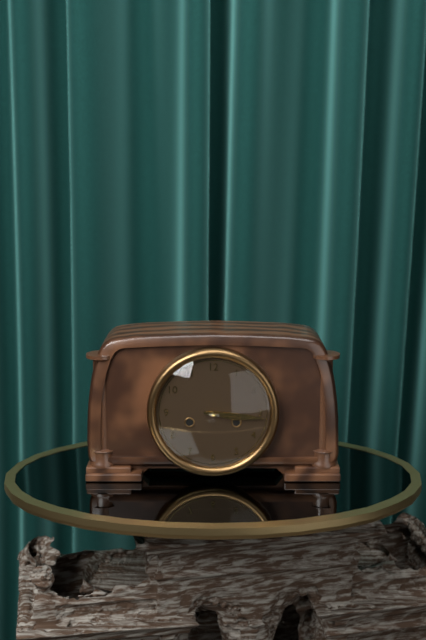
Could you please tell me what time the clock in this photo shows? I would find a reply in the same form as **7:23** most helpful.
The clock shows **3:16**
